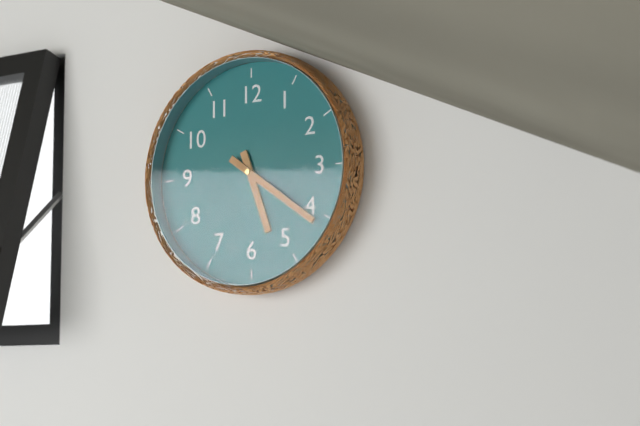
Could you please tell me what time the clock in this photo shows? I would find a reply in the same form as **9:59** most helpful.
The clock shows **5:21**
